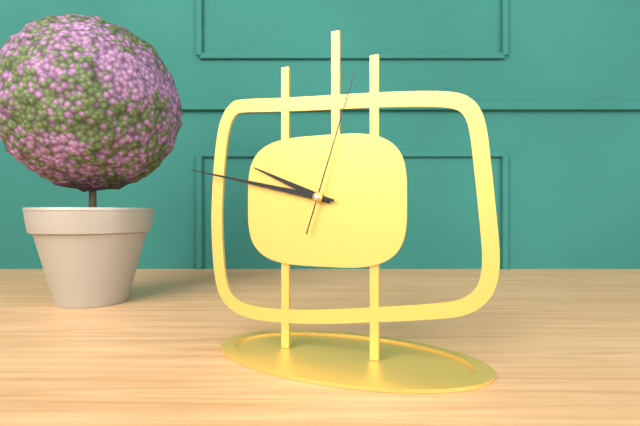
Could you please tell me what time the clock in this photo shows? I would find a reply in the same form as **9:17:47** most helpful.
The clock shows **9:47:03**
